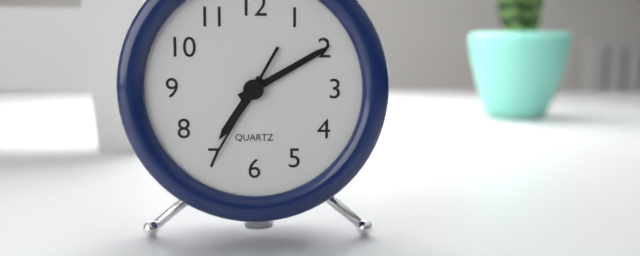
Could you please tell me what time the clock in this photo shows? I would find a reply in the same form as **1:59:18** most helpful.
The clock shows **7:10:35**
